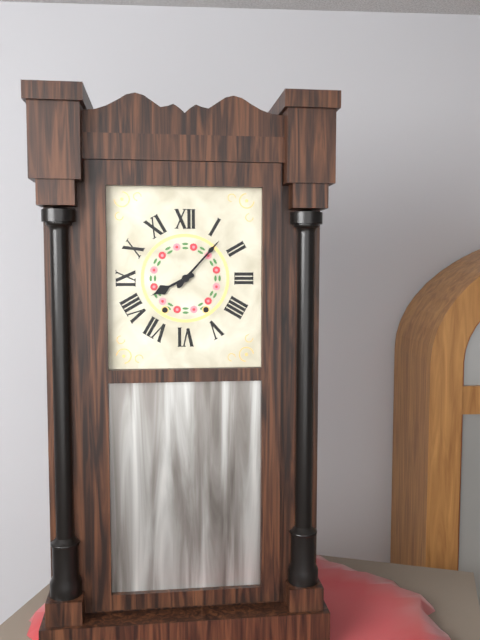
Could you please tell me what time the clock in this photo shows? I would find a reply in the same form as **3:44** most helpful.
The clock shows **8:07**
